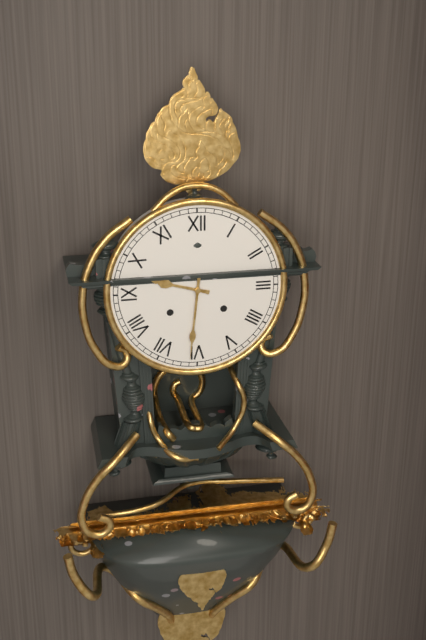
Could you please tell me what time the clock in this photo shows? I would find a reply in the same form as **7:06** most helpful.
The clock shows **9:31**
